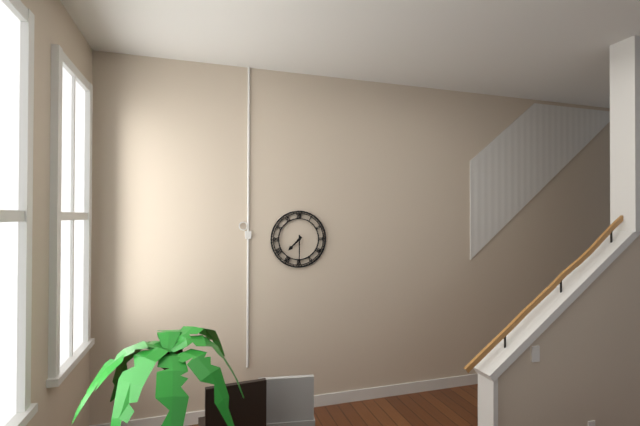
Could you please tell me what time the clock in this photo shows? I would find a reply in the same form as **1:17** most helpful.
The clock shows **7:30**
